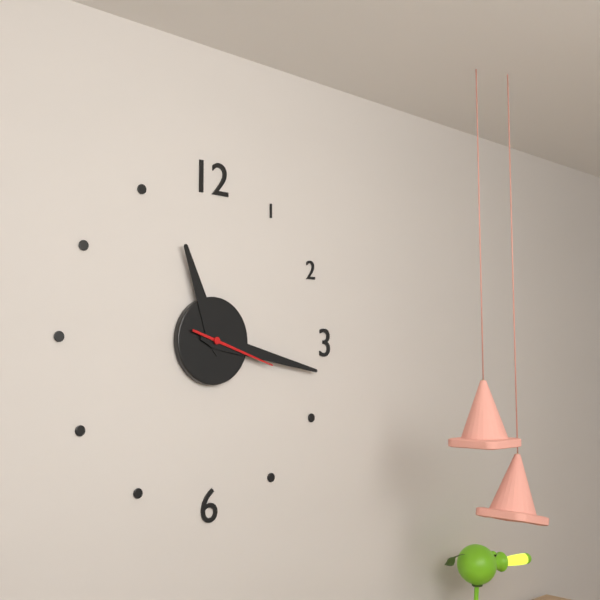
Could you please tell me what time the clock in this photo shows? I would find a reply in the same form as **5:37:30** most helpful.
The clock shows **11:17:18**
